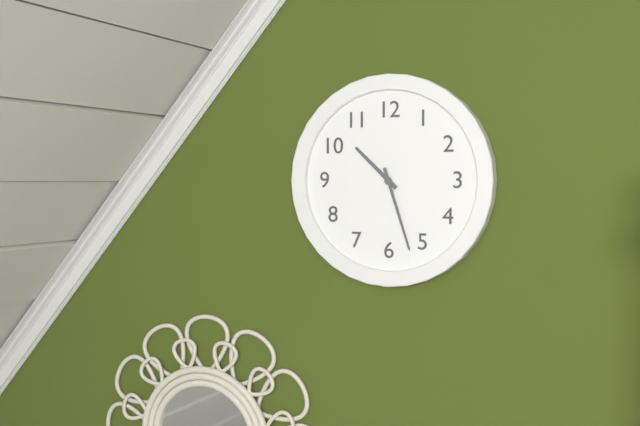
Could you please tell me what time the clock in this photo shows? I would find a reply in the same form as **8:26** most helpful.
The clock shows **10:27**
